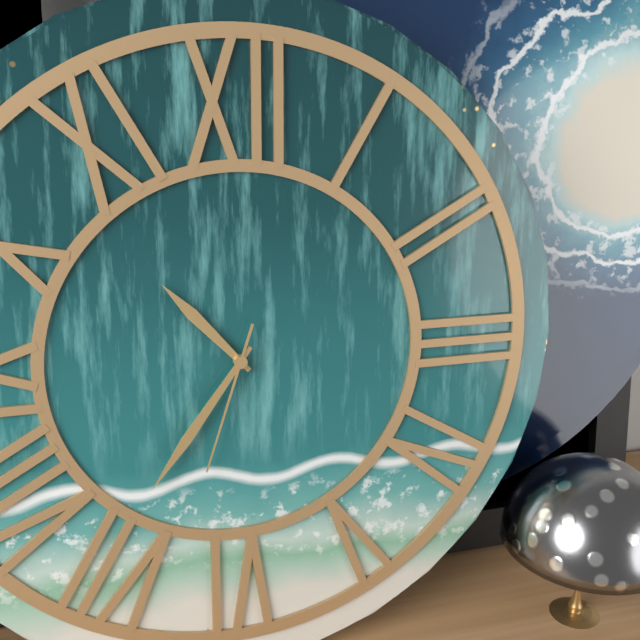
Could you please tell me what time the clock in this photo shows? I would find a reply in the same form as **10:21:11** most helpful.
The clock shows **10:36:33**
